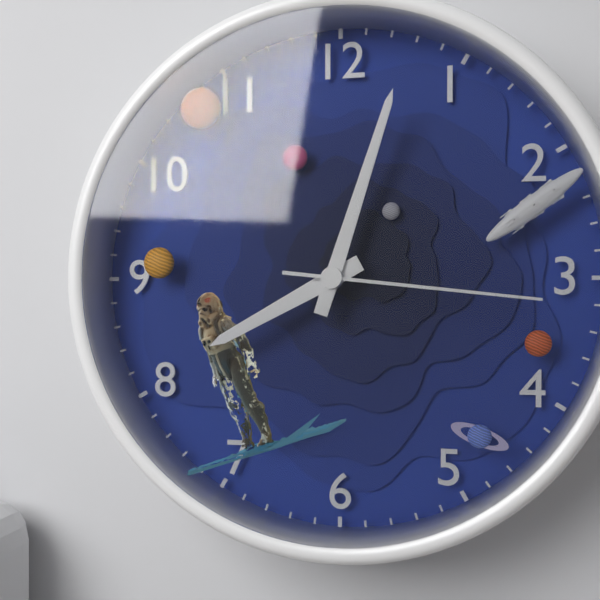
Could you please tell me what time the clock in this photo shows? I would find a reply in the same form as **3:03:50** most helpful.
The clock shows **8:03:16**
